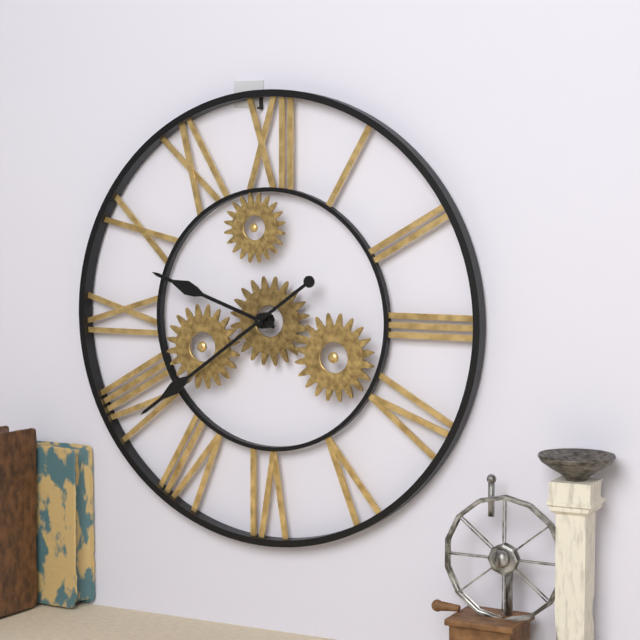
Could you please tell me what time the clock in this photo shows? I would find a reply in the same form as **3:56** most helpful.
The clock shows **9:39**
